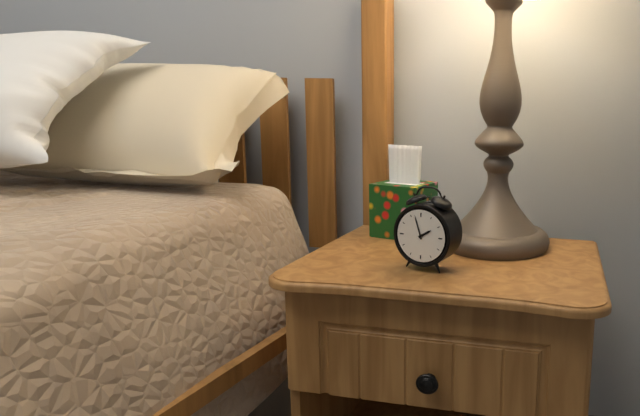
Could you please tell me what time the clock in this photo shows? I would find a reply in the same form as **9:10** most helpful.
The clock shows **1:57**
